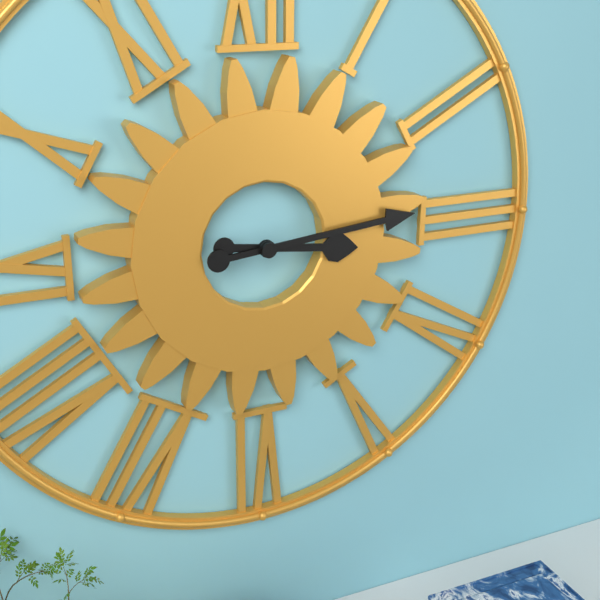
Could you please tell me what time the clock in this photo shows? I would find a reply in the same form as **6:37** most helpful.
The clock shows **3:14**
